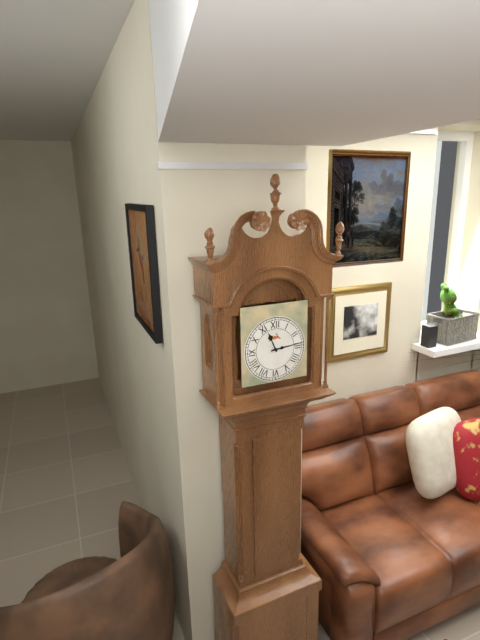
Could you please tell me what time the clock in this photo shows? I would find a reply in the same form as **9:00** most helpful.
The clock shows **11:14**
